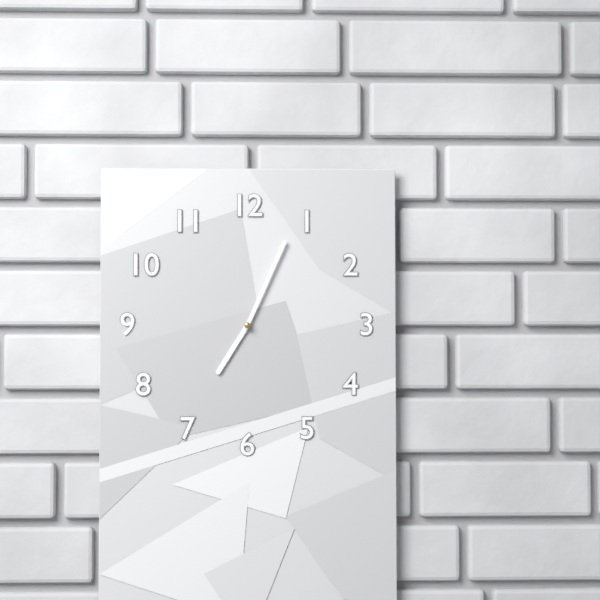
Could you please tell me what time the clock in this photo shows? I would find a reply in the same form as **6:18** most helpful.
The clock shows **7:04**
